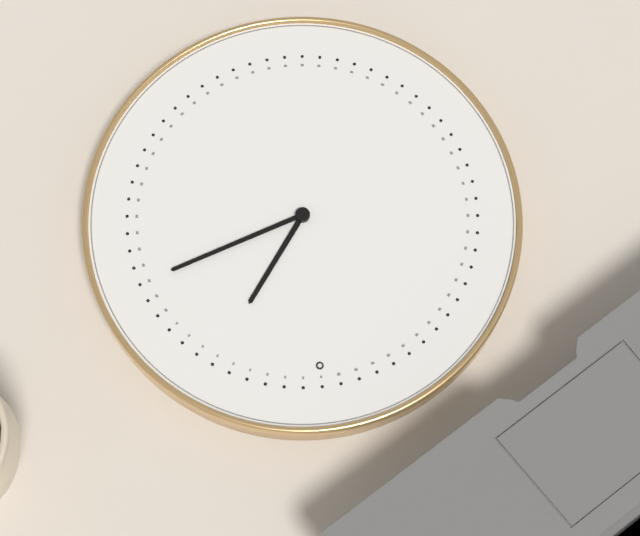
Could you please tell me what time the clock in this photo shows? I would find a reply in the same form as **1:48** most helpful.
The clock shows **1:12**
